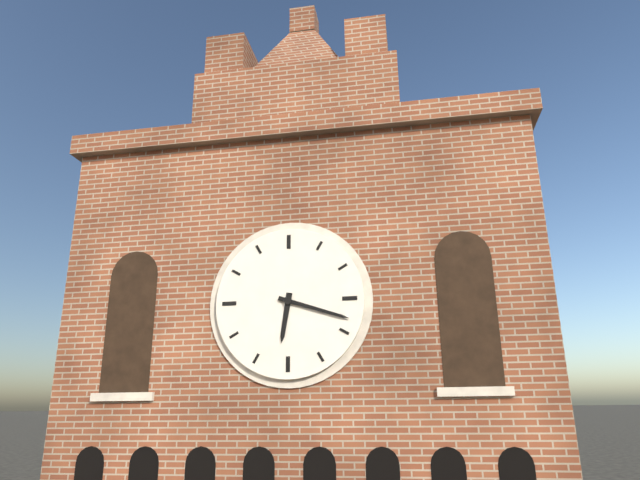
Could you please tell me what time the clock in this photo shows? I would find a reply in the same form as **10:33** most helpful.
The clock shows **6:18**
